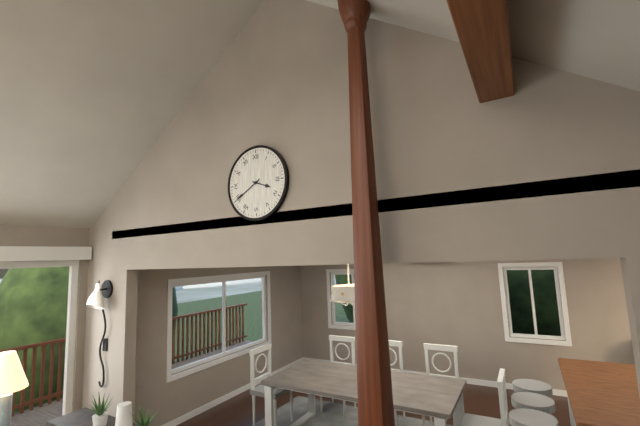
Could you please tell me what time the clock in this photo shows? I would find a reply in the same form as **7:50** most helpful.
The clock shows **3:40**
